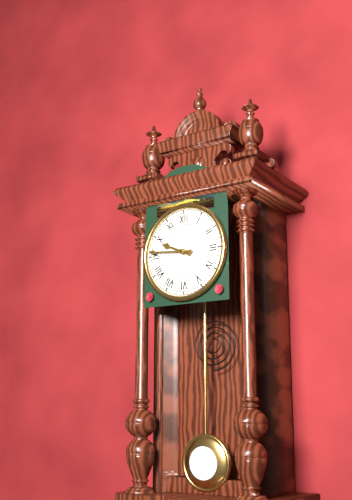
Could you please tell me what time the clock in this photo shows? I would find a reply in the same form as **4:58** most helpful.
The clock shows **9:46**
